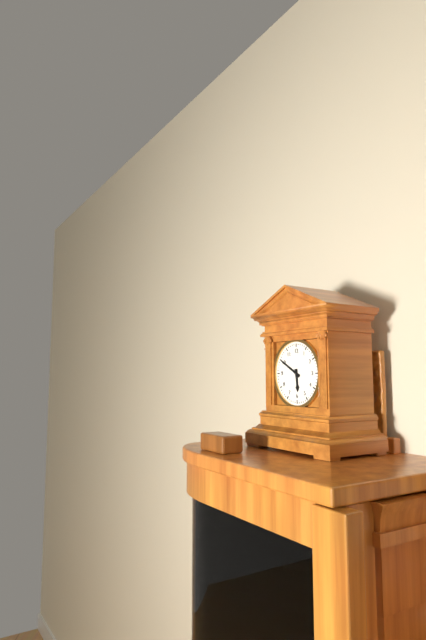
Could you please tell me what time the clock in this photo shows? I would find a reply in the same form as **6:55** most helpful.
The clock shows **5:50**
